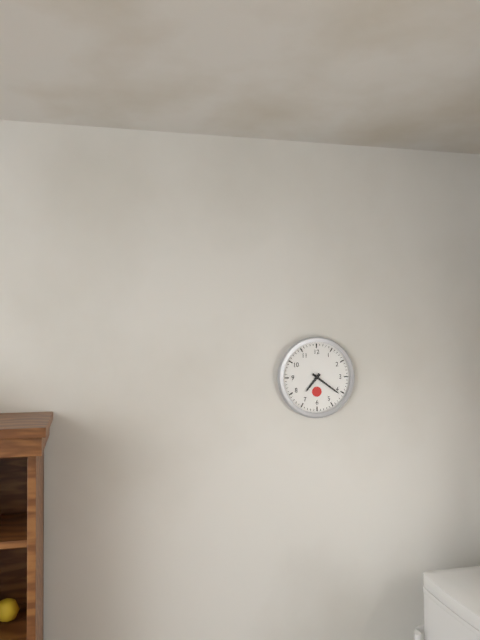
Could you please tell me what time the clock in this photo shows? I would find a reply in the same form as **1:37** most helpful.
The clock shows **7:21**
